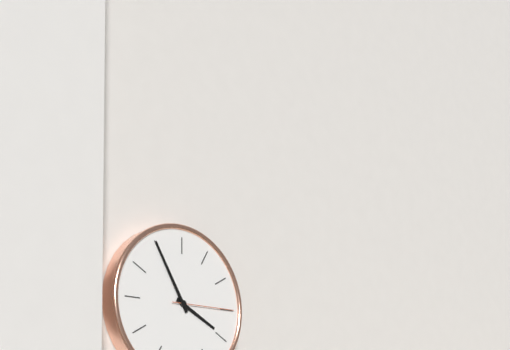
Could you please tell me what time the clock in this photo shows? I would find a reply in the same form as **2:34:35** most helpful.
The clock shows **3:55:15**
